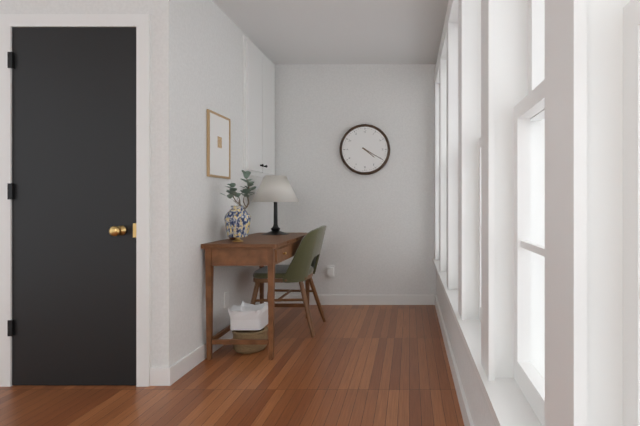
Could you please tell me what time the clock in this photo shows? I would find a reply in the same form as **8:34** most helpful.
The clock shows **4:20**
